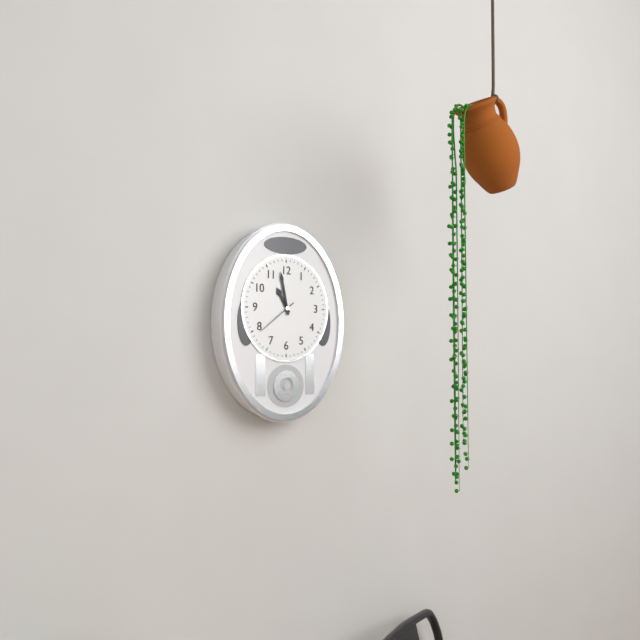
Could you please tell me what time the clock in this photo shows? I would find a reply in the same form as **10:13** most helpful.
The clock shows **10:58**
